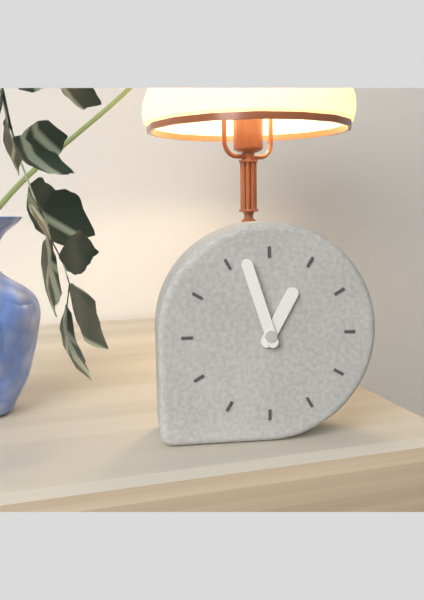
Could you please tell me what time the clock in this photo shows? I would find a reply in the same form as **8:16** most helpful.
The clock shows **12:57**
